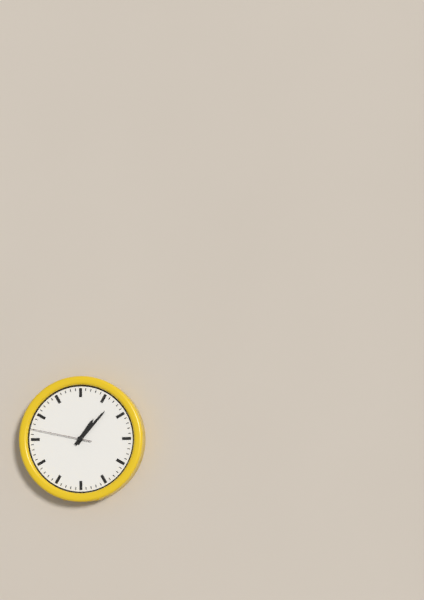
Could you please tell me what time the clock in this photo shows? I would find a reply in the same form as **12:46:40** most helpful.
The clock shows **1:07:47**
